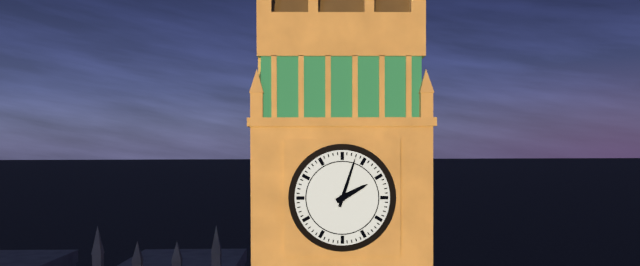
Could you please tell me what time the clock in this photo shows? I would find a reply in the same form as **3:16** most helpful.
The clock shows **2:03**
